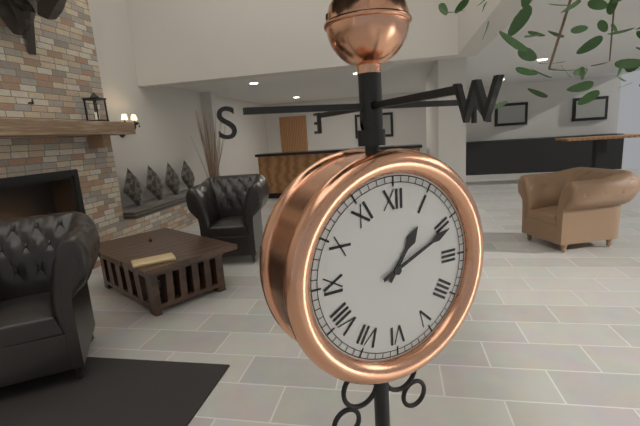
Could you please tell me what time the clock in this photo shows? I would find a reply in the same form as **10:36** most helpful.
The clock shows **1:11**
